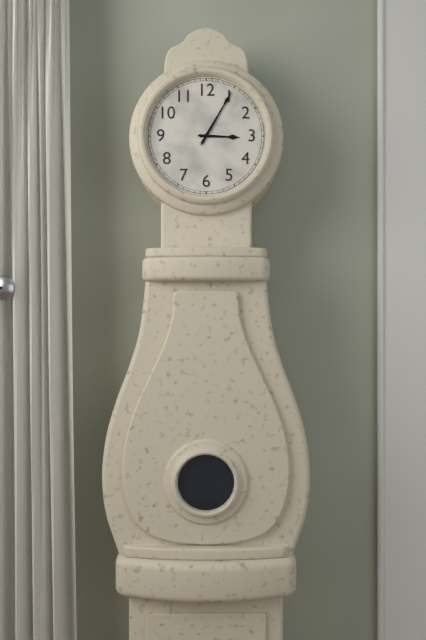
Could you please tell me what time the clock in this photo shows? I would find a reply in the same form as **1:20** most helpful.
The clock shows **3:05**
